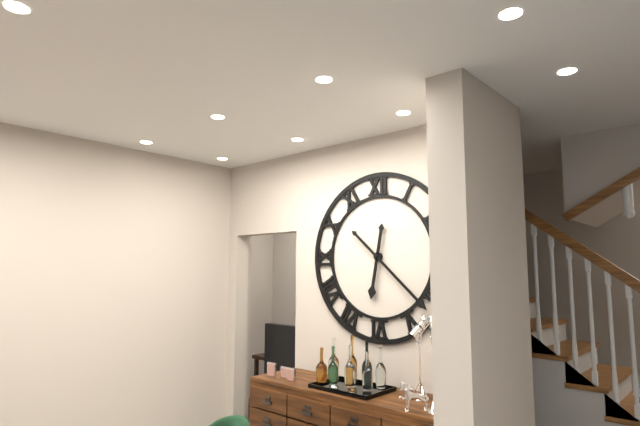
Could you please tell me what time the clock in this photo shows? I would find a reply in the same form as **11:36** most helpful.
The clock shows **6:22**
